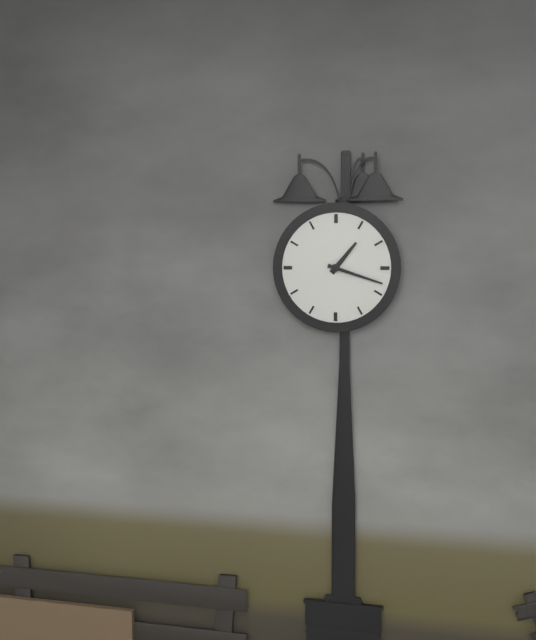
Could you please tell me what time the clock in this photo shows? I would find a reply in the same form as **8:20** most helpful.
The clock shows **1:18**
